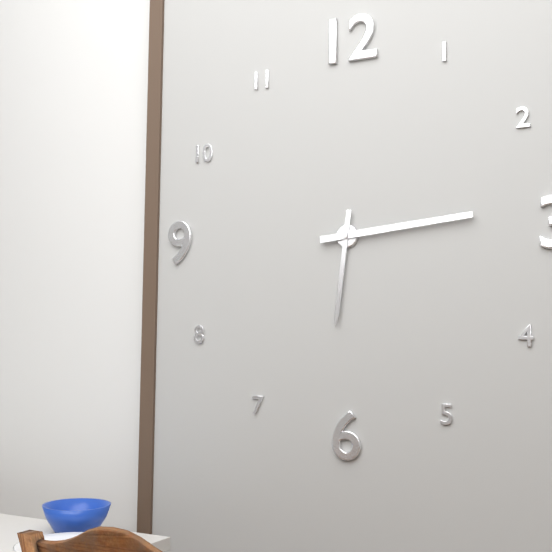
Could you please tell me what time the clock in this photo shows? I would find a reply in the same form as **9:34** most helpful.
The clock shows **6:14**
